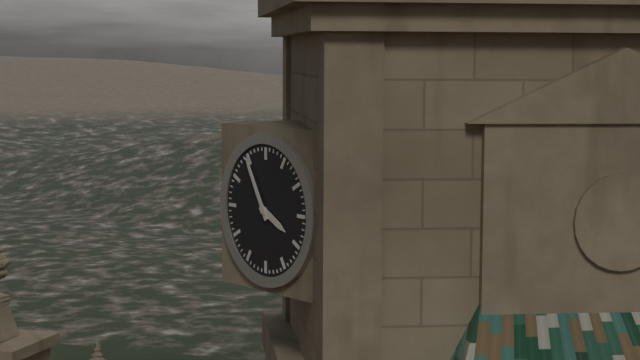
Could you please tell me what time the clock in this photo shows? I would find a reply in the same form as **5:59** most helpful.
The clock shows **3:55**
